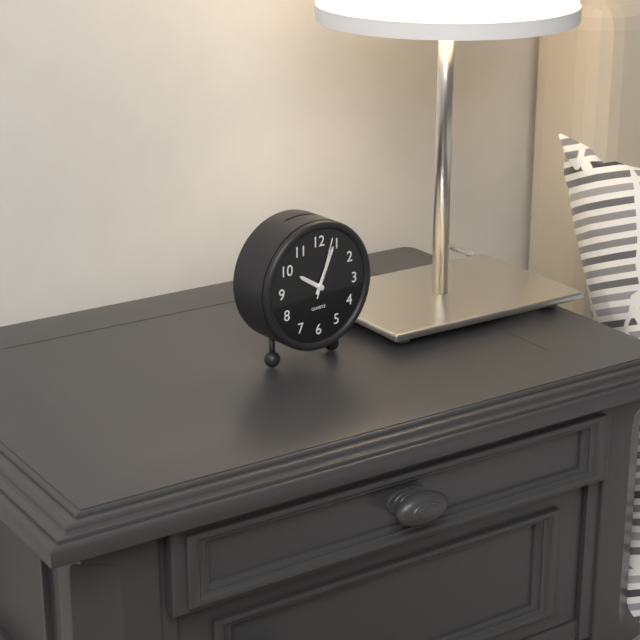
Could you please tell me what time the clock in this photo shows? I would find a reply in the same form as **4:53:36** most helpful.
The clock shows **10:04:03**
